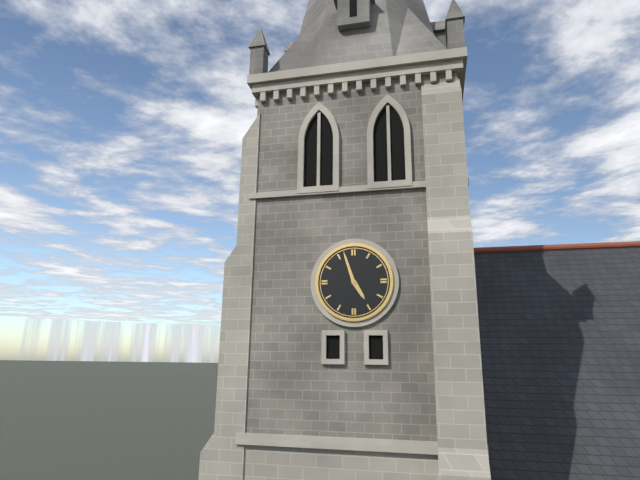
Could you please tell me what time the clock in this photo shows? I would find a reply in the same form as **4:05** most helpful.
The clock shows **4:57**
